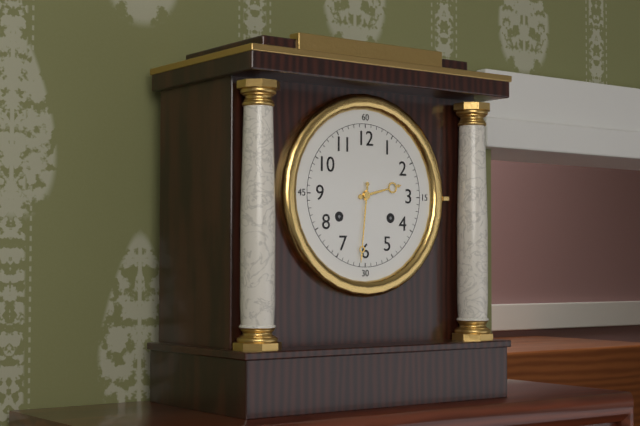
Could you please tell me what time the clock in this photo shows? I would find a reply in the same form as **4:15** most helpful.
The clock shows **2:31**
